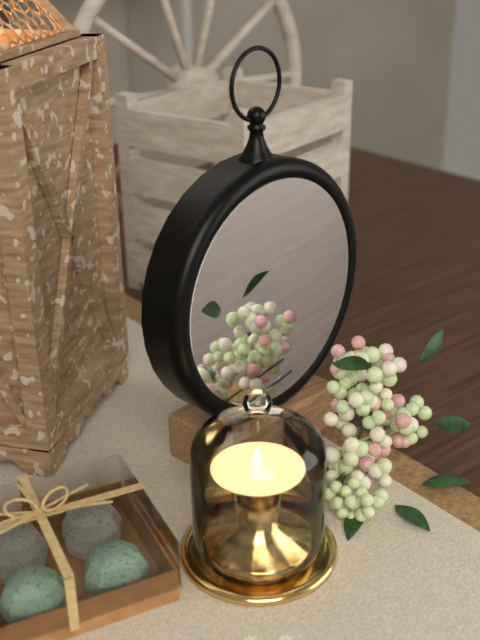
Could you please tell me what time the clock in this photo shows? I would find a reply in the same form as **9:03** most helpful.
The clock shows **6:02**
